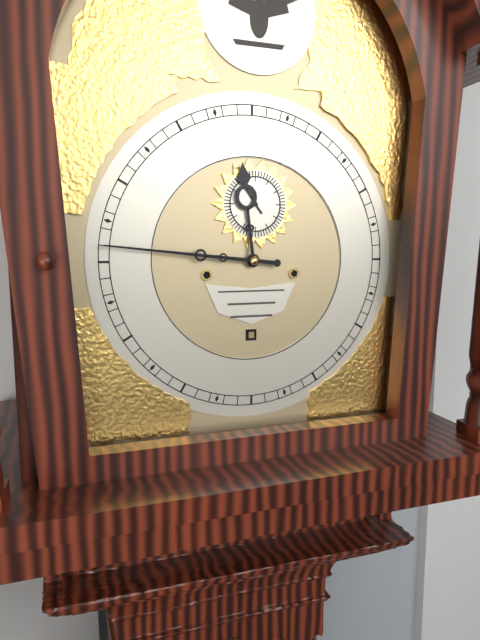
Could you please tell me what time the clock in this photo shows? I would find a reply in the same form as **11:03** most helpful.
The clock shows **11:46**
